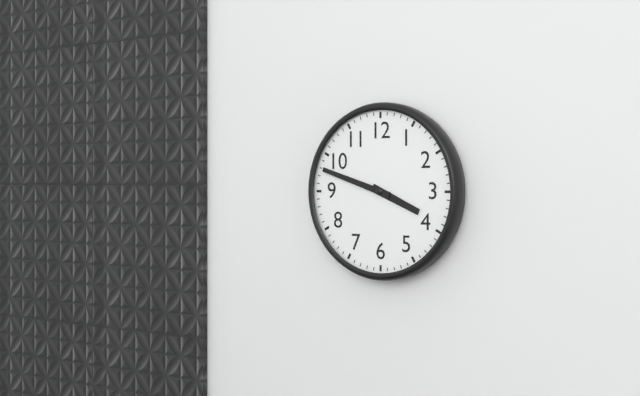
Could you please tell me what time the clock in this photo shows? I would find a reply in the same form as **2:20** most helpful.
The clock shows **3:48**
